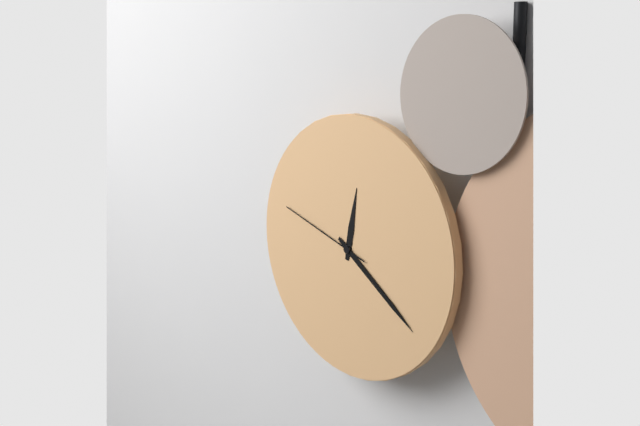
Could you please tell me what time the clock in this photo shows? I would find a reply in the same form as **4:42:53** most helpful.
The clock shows **12:21:48**
